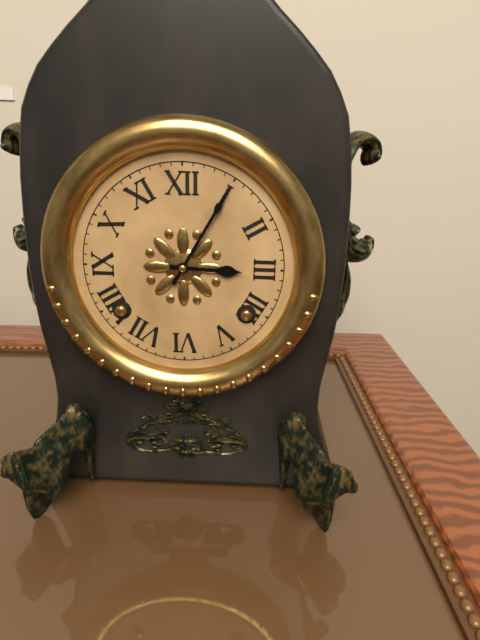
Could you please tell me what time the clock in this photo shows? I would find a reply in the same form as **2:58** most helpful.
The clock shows **3:05**
